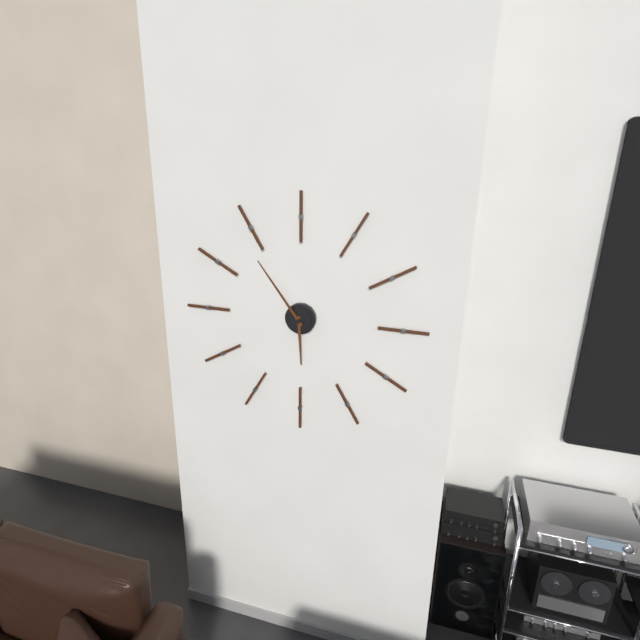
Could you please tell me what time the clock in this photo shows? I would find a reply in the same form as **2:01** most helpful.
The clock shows **5:54**
